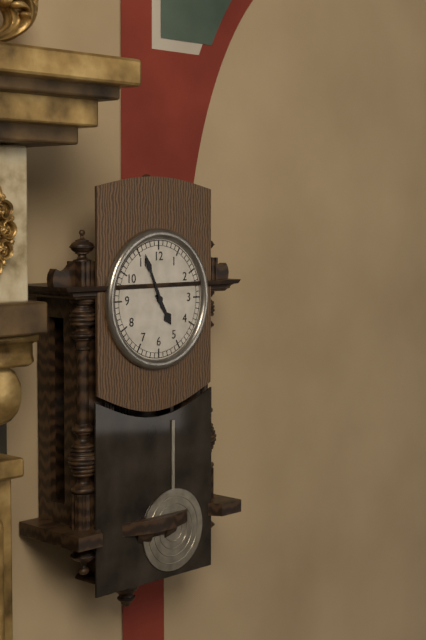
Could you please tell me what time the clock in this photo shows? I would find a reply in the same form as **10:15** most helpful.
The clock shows **4:56**
